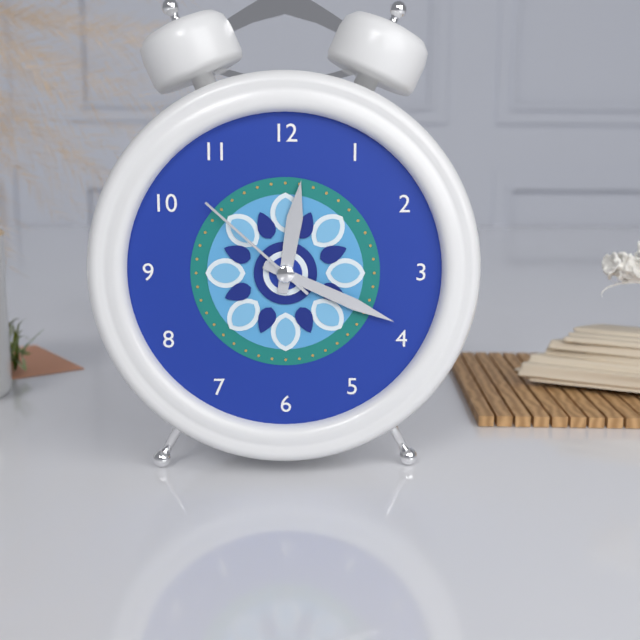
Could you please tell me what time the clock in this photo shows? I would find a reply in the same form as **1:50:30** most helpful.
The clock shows **12:19:52**
